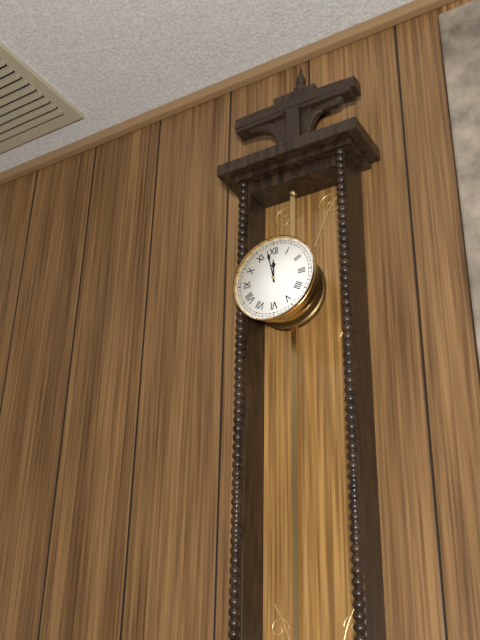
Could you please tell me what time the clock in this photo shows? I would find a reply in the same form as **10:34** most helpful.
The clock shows **11:58**
